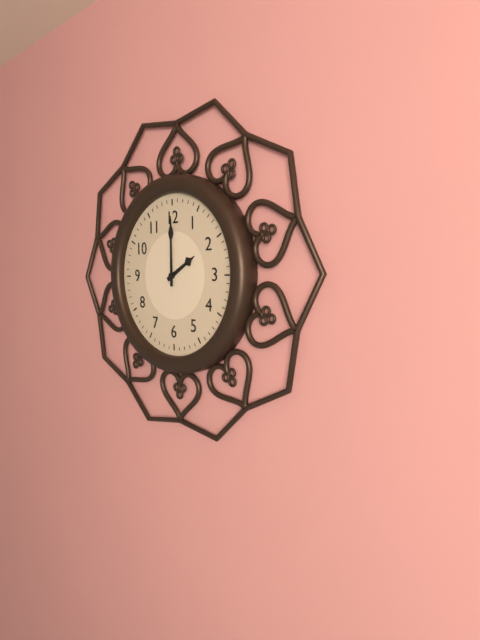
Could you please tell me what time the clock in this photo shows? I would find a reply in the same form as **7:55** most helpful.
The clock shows **2:00**
